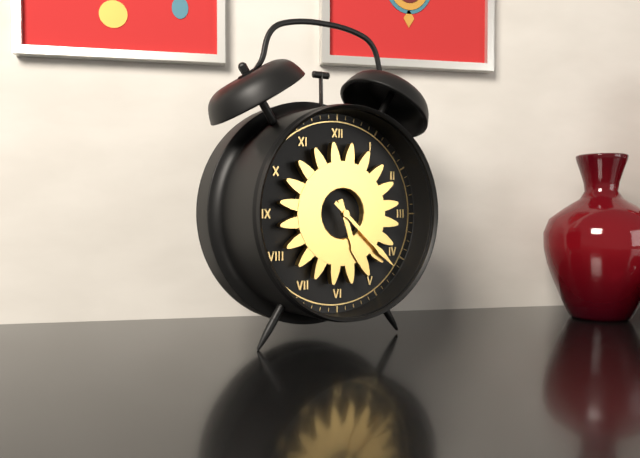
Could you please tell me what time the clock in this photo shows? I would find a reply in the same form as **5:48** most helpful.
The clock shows **5:22**
